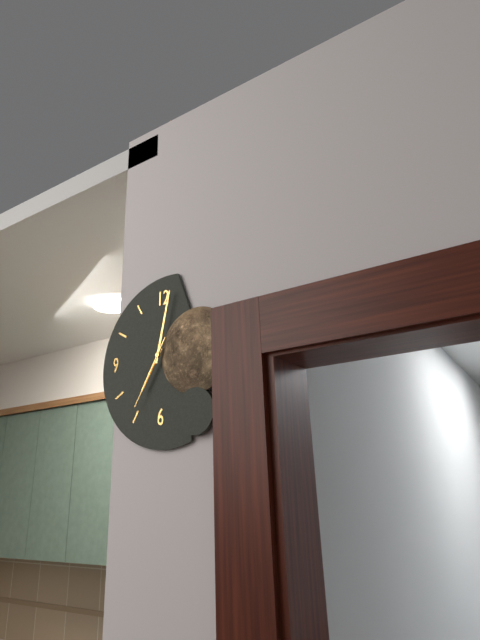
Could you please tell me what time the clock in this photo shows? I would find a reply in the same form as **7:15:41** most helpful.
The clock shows **7:02:35**
